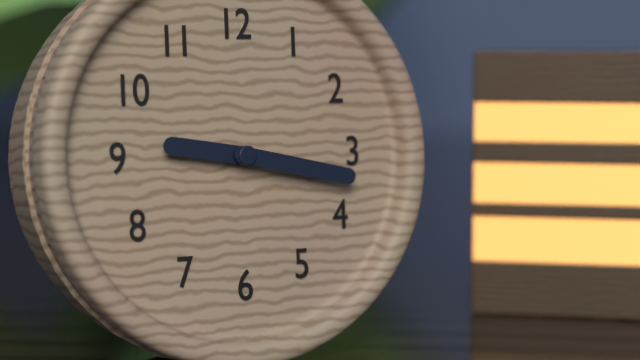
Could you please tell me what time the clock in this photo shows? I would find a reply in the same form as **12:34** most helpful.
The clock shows **9:17**
